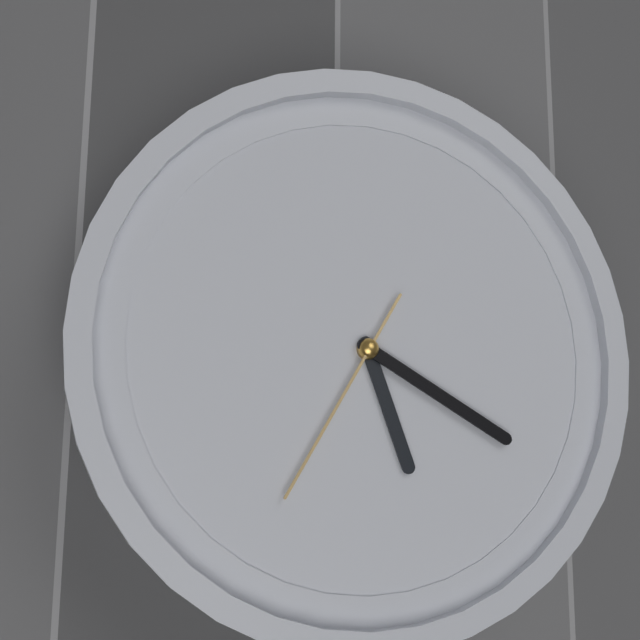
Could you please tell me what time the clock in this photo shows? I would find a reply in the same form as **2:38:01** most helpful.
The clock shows **5:20:35**
